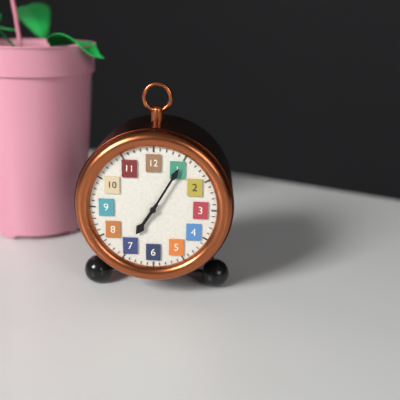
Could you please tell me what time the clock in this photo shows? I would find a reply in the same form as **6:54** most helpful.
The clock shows **7:05**
